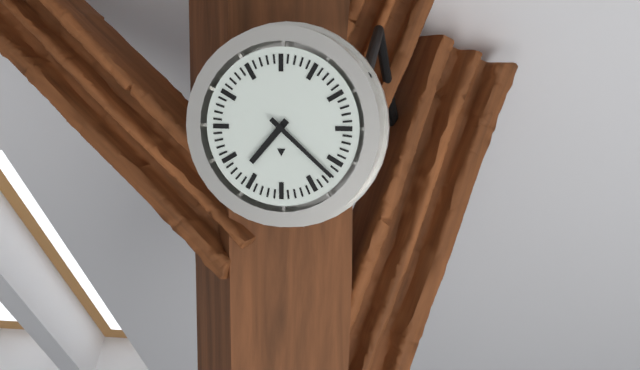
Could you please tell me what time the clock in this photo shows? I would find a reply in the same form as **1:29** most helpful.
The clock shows **7:22**
